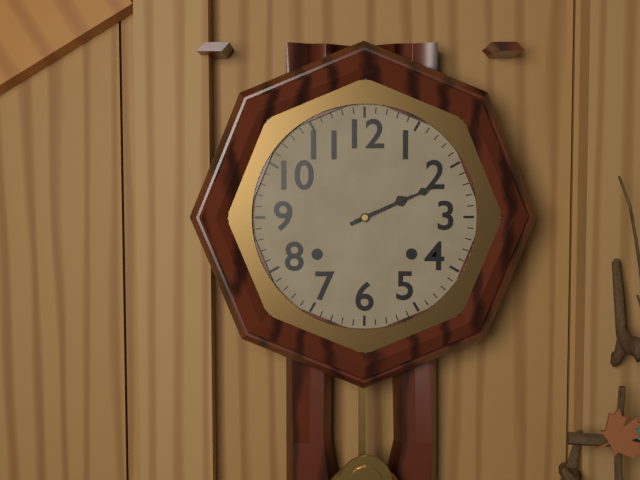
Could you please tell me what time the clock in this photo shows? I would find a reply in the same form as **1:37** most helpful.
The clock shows **2:11**
